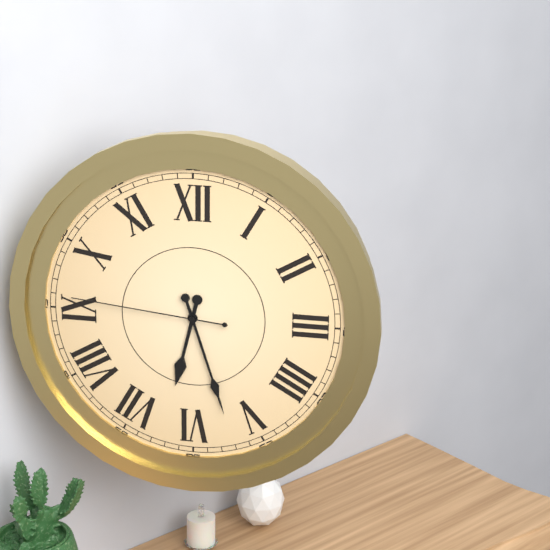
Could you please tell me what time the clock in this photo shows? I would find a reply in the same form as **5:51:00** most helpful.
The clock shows **6:27:46**
